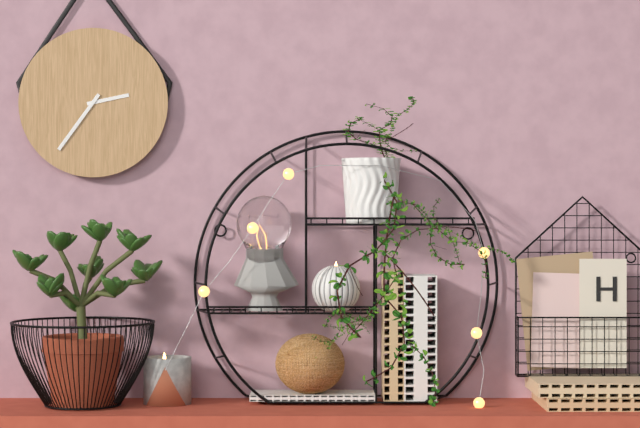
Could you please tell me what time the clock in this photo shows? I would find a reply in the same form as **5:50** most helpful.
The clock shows **2:36**
